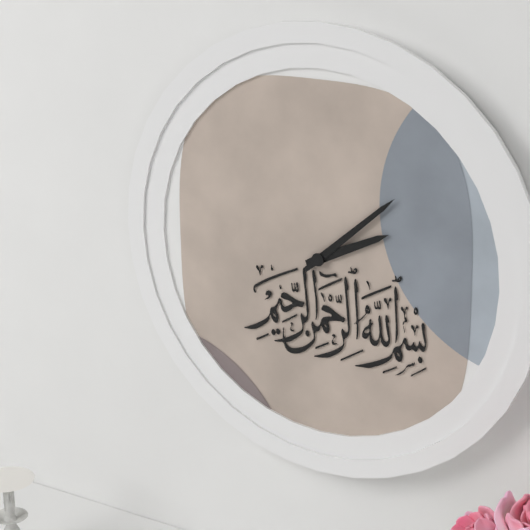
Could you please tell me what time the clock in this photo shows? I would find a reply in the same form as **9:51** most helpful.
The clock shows **2:08**
